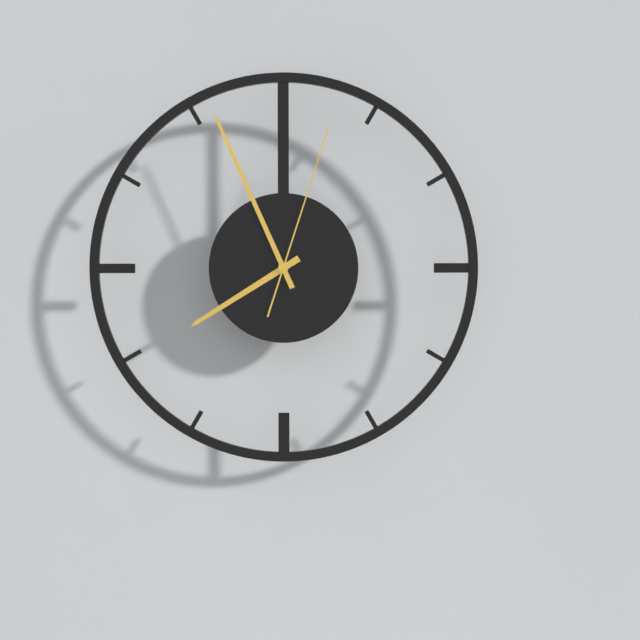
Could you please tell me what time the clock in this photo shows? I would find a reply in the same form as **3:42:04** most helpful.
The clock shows **7:56:03**
